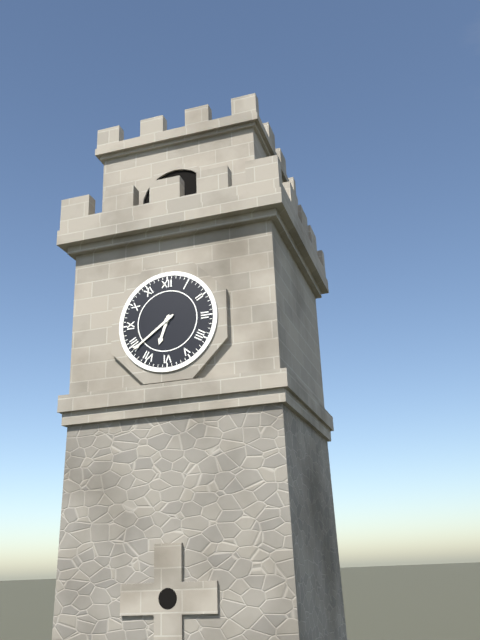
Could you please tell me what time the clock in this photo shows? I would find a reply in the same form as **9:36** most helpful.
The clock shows **6:39**
